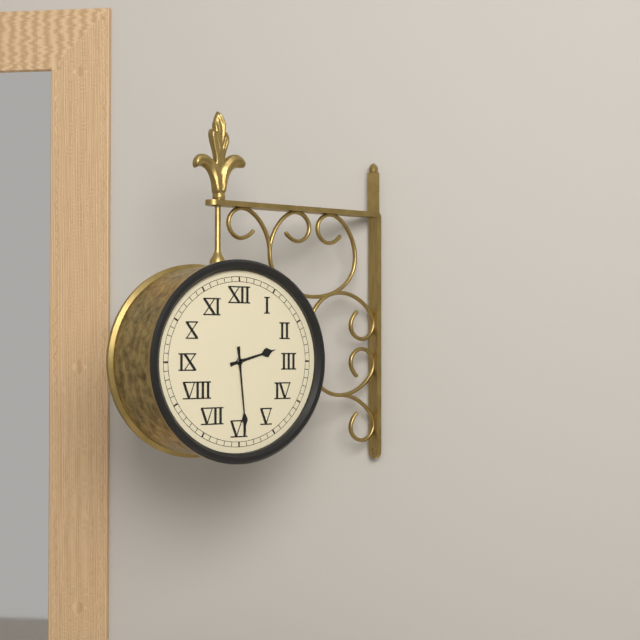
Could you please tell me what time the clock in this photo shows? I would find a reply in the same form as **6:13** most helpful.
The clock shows **2:29**
